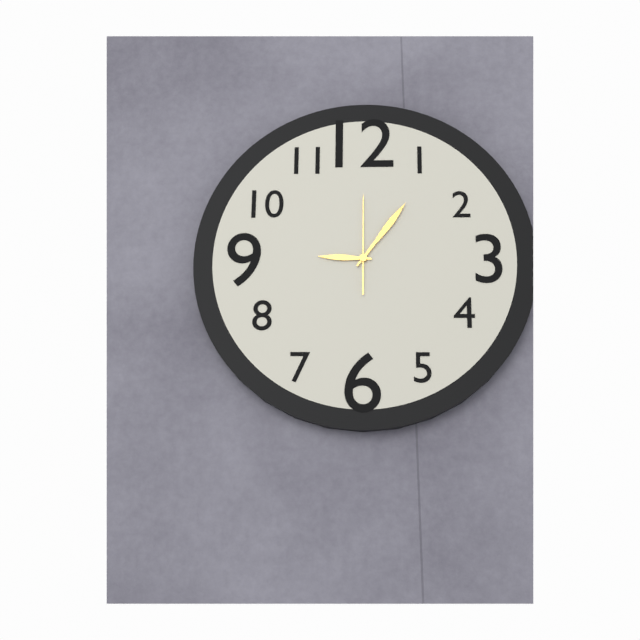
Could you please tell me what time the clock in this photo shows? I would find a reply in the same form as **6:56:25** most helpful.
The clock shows **9:06:00**
